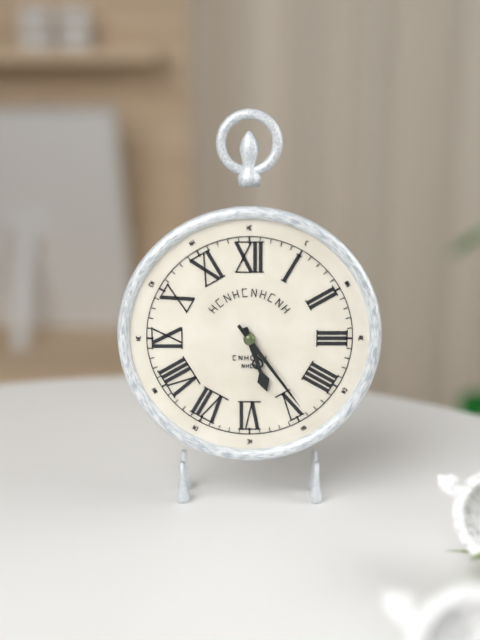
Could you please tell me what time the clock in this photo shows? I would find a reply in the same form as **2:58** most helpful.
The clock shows **5:24**
